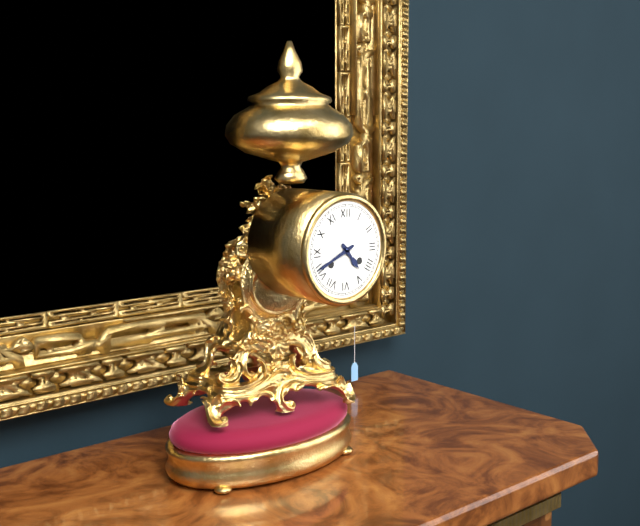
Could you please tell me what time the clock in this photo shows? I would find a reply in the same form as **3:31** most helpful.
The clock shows **4:41**
